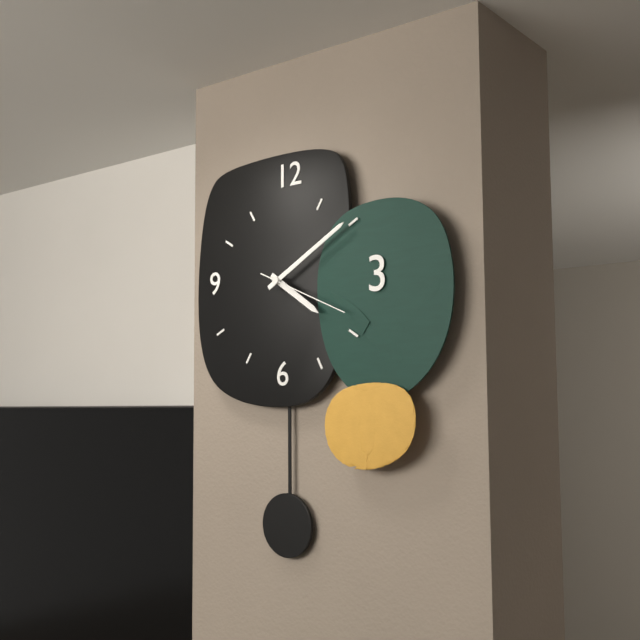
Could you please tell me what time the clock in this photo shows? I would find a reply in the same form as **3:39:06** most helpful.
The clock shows **4:10:19**
